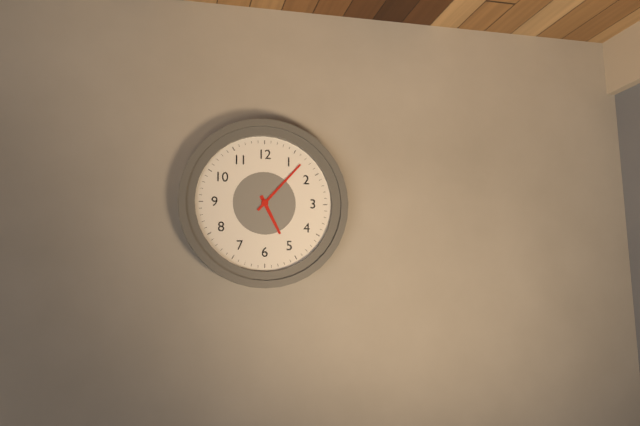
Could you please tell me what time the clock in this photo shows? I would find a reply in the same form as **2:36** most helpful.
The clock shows **5:07**
